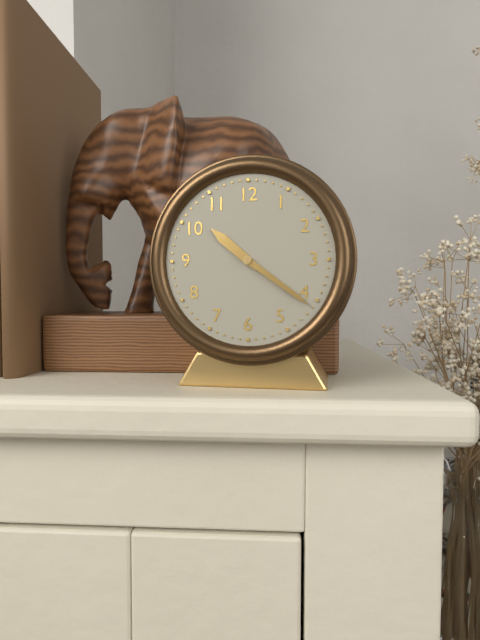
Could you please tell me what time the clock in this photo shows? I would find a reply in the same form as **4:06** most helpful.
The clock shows **10:21**
